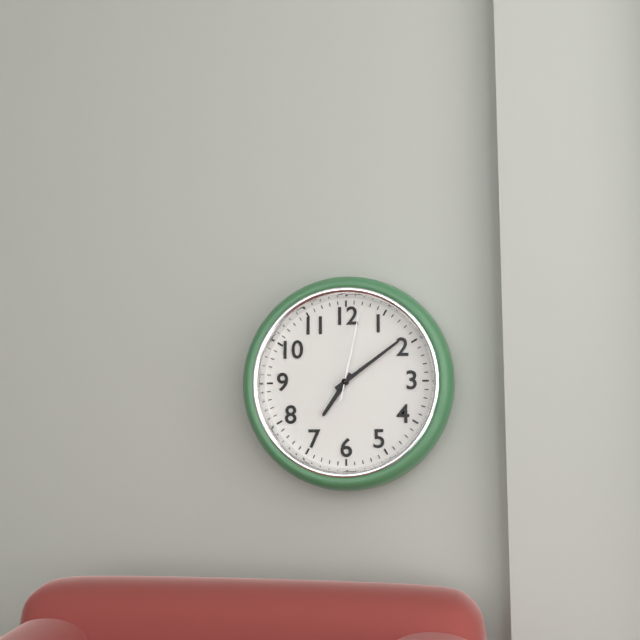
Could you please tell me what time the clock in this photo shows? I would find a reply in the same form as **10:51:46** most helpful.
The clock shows **7:09:02**
